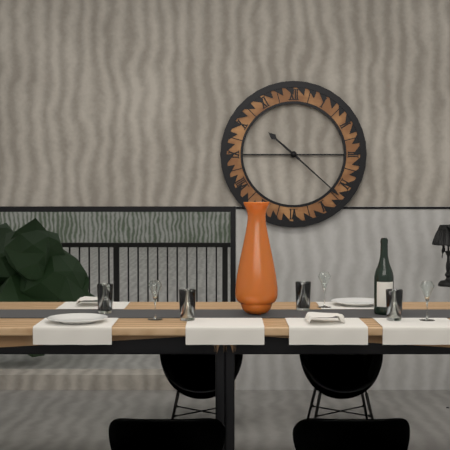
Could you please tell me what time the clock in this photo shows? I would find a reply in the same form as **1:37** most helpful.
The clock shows **10:22**
